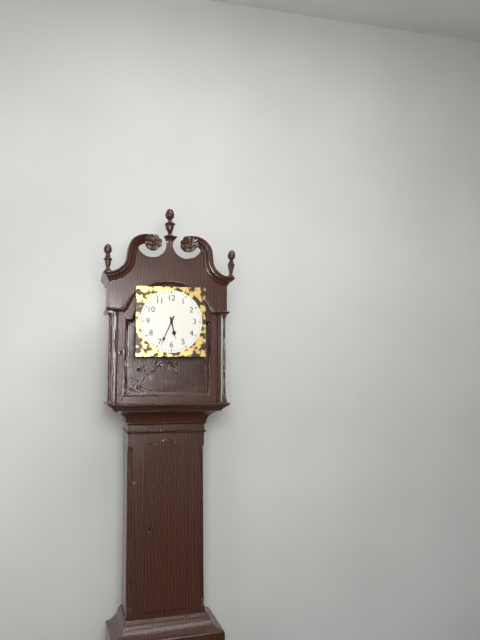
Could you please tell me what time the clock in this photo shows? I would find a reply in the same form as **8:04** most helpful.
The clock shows **5:34**
